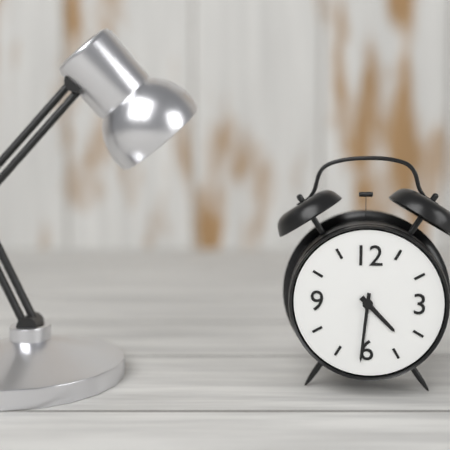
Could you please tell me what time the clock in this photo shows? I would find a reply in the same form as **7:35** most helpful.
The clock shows **4:31**
